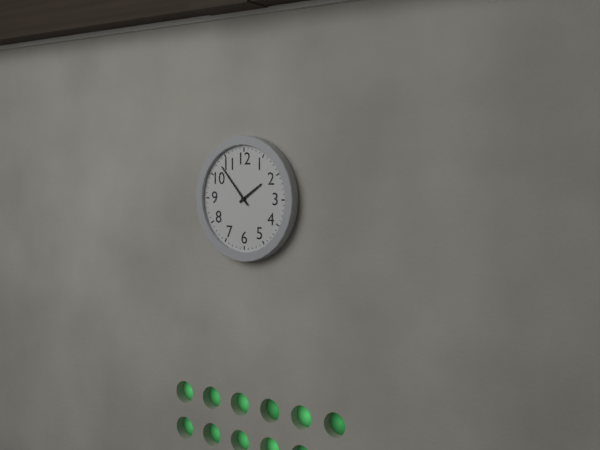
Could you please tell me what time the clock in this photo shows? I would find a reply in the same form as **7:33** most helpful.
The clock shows **1:53**
